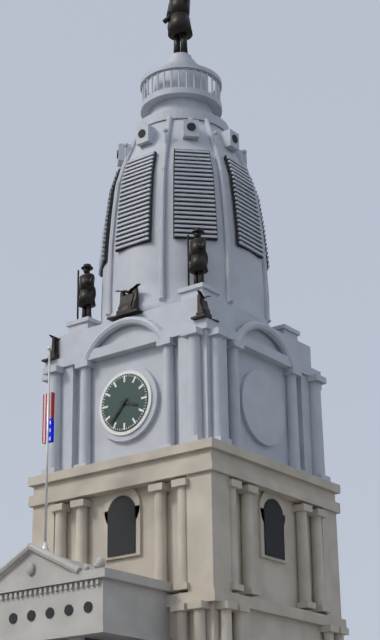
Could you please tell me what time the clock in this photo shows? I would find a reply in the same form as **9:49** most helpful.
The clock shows **3:37**
